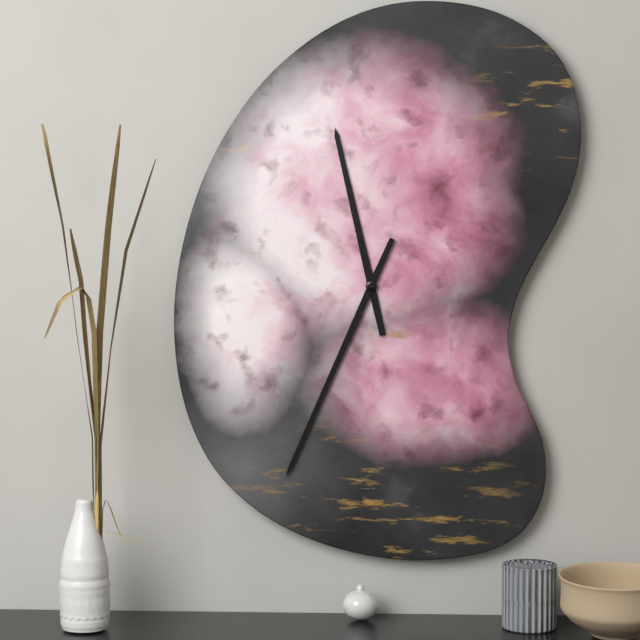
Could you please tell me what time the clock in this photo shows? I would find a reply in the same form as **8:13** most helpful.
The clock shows **11:34**
